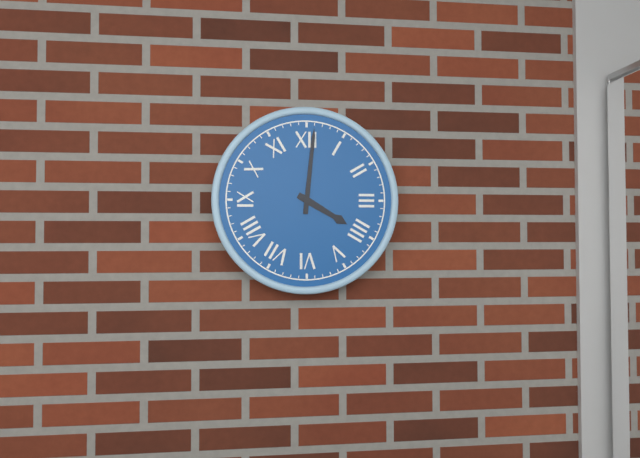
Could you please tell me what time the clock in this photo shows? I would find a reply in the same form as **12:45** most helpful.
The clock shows **4:01**
